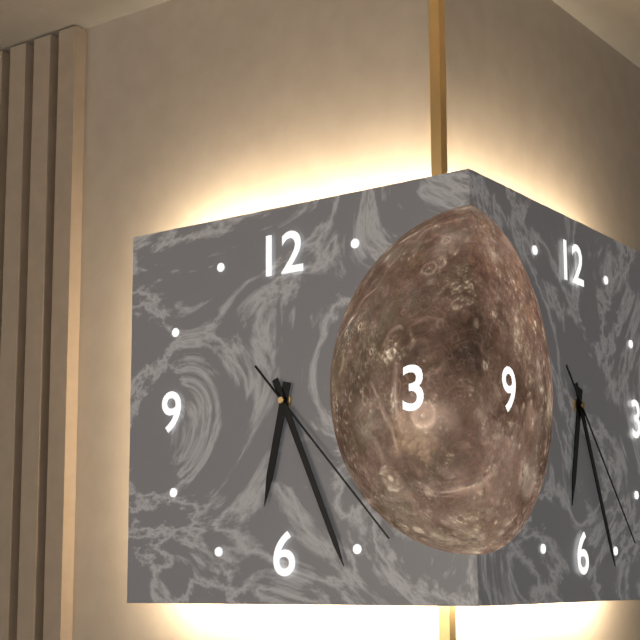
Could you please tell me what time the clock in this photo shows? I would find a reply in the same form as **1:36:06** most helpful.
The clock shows **6:26:23**
